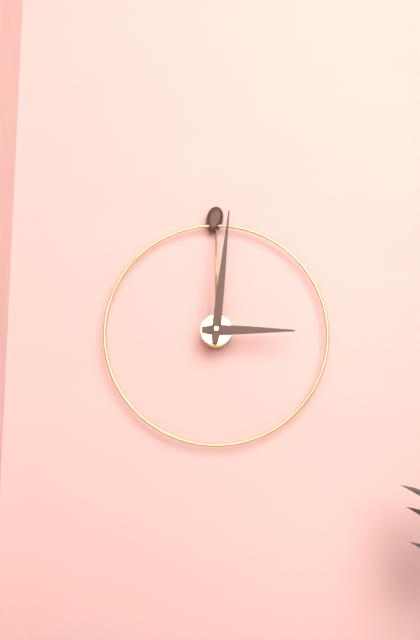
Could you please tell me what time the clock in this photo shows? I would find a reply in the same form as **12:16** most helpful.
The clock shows **3:01**
